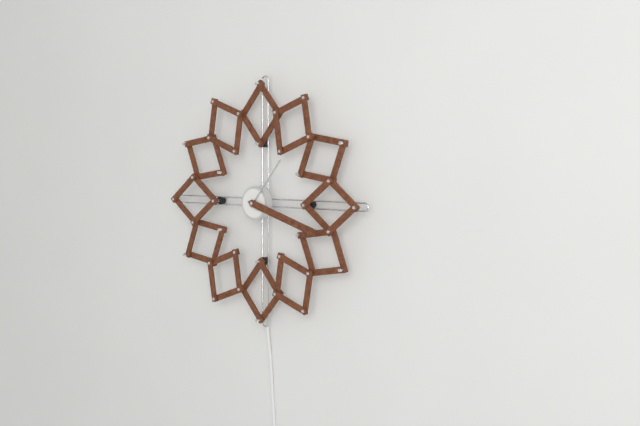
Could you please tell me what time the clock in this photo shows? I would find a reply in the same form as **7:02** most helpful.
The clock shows **1:18**
